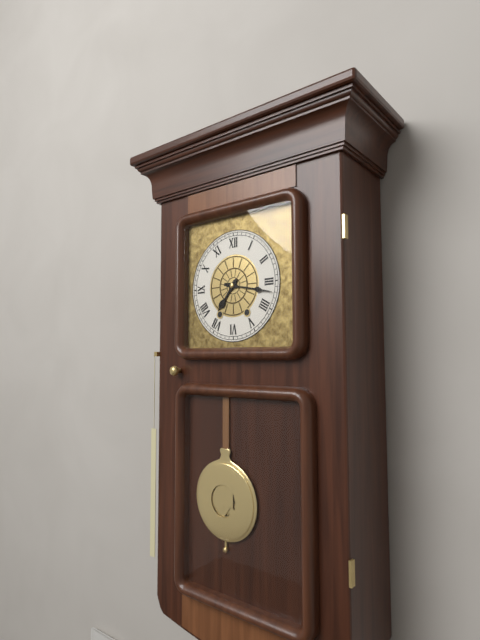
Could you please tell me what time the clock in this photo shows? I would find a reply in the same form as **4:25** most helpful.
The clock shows **7:17**
